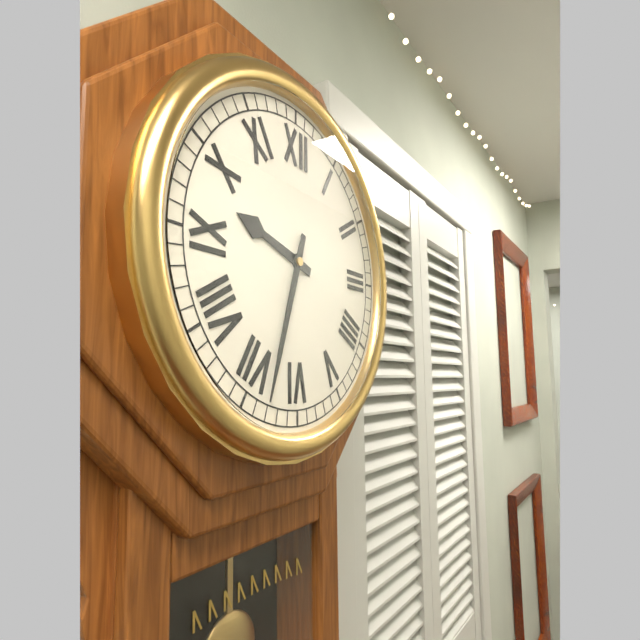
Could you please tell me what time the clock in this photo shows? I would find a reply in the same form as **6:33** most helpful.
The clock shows **9:33**
